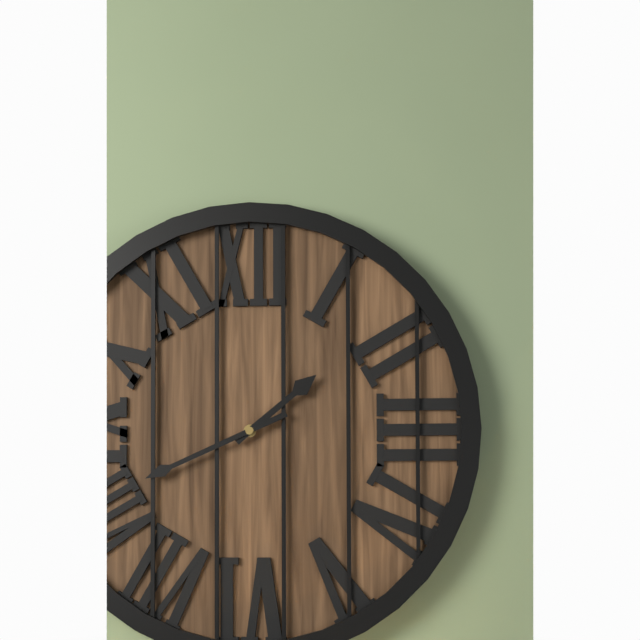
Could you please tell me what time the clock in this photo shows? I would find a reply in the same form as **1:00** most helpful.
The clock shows **1:41**
